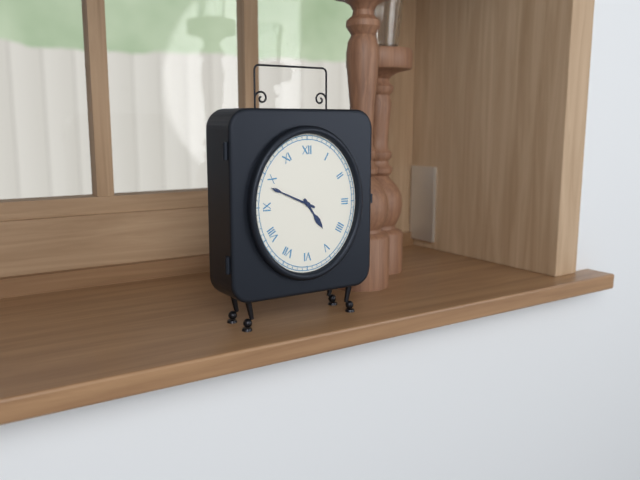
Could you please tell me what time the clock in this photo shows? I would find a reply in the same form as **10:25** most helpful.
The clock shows **4:49**
